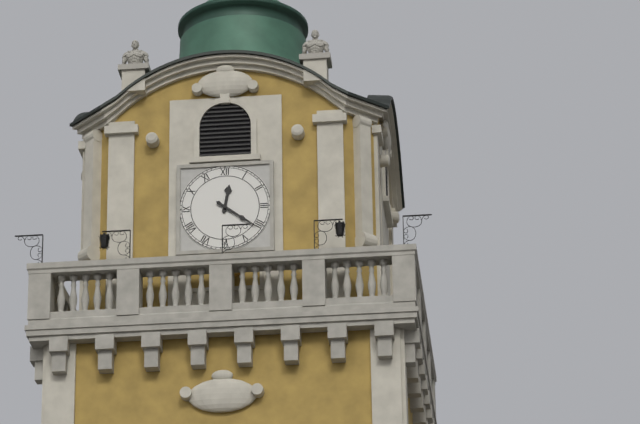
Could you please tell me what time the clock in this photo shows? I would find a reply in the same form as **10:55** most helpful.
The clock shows **12:21**
